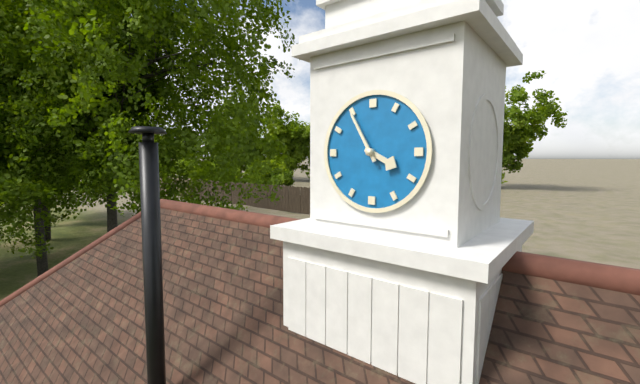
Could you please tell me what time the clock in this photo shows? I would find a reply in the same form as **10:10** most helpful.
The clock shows **3:55**
